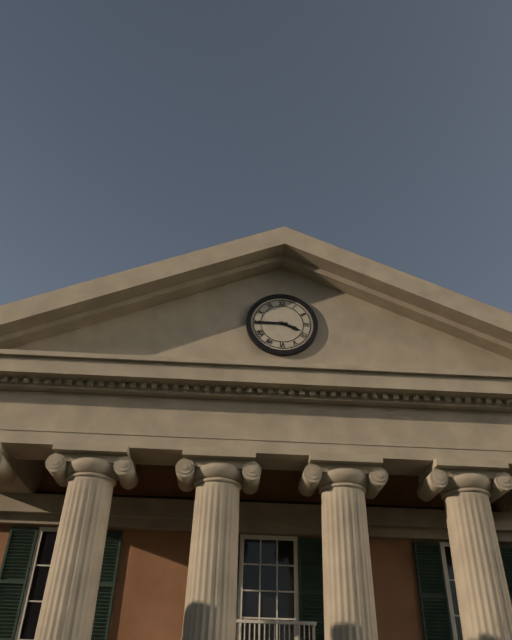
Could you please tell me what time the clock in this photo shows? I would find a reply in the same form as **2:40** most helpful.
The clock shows **3:45**
